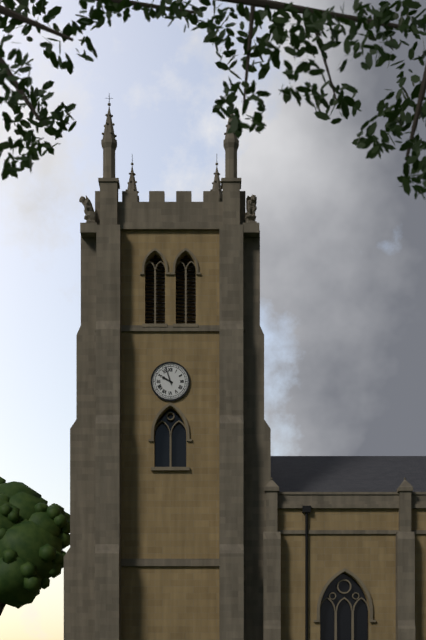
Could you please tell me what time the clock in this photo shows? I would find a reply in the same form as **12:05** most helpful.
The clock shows **9:57**
